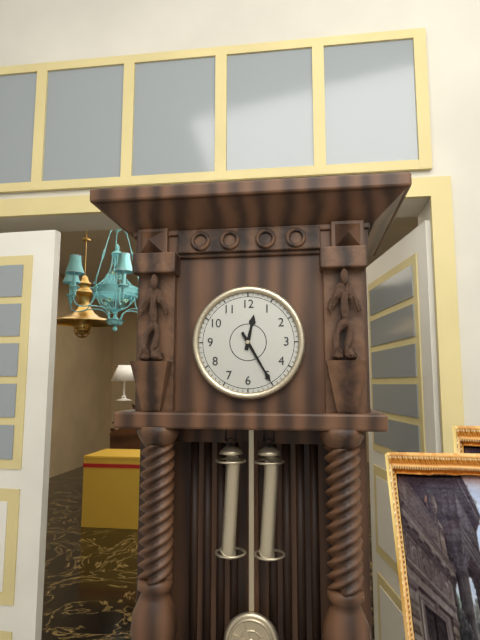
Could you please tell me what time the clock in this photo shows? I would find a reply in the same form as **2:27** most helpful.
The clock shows **12:25**
